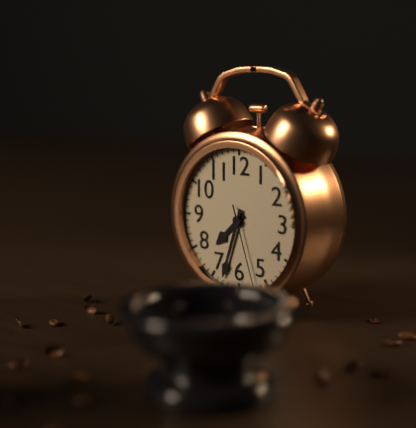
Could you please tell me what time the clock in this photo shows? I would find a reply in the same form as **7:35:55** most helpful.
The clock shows **7:33:27**
